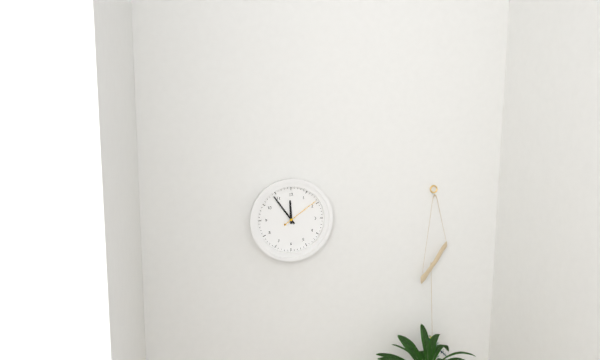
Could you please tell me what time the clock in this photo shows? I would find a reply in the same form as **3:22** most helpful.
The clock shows **11:54**
